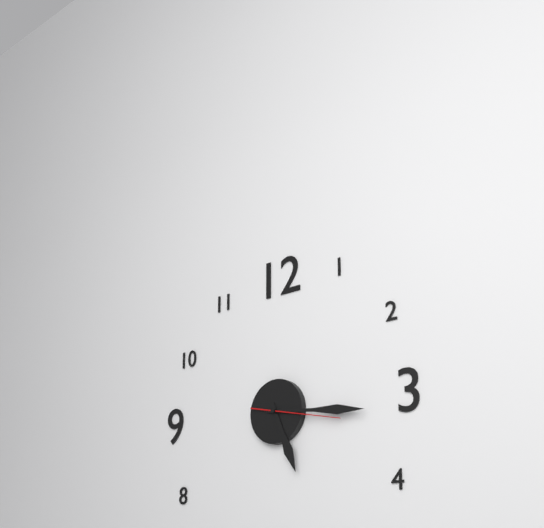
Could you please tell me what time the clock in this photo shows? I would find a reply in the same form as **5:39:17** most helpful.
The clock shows **5:16:17**
